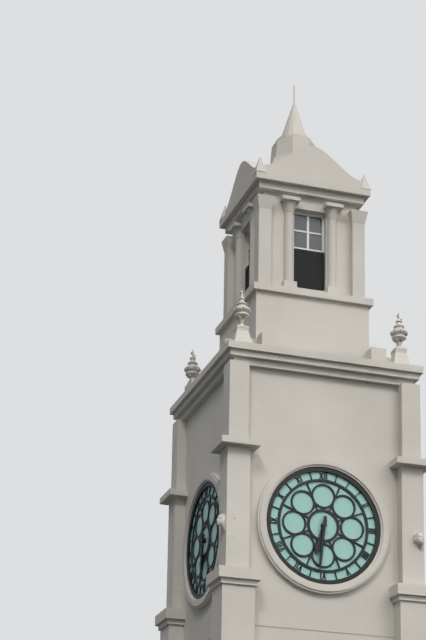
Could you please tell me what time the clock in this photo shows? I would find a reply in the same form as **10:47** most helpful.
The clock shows **6:31**
